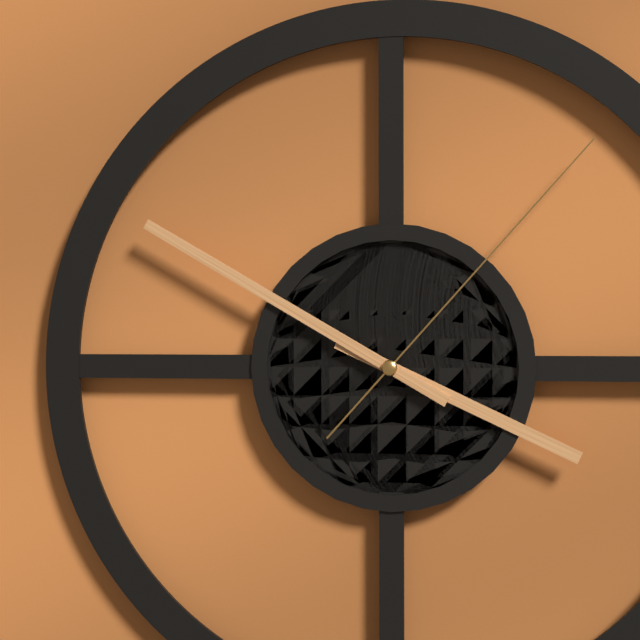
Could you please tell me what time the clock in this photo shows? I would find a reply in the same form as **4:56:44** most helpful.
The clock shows **3:50:07**
